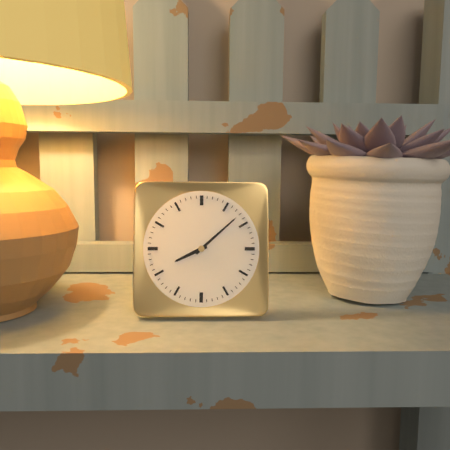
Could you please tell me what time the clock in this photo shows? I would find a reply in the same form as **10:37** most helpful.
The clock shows **8:08**
